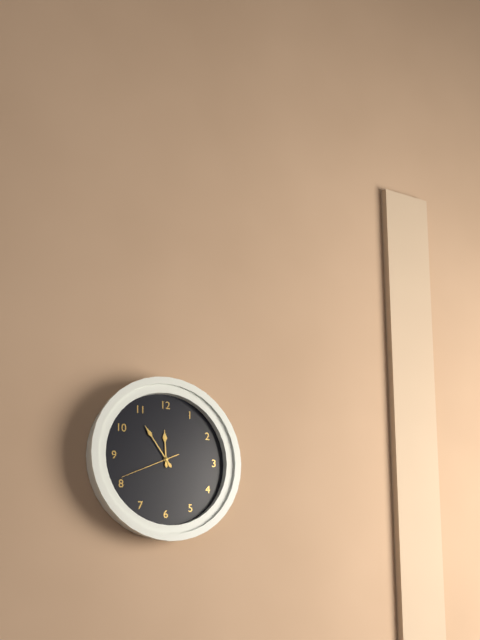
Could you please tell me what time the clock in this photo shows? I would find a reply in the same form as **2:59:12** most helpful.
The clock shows **11:54:41**
